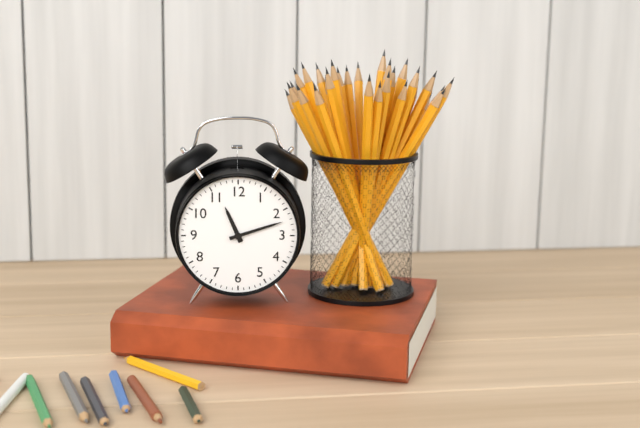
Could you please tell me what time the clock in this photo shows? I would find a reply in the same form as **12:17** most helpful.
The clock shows **11:12**
